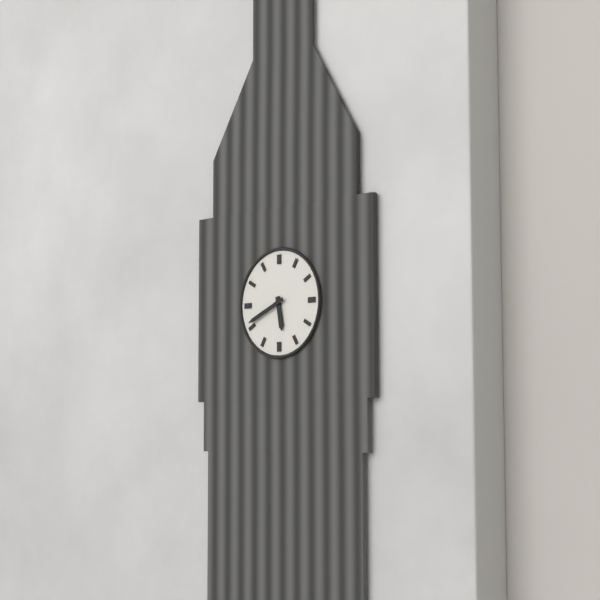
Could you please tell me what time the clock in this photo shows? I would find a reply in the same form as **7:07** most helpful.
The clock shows **5:41**
